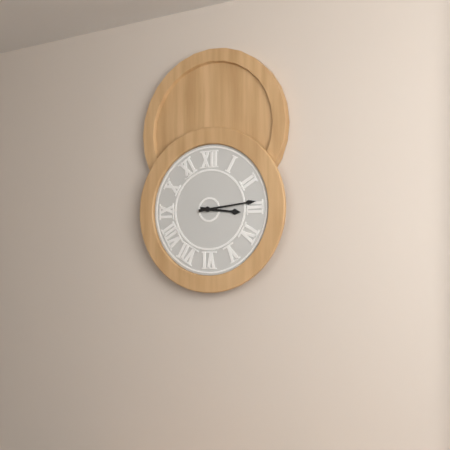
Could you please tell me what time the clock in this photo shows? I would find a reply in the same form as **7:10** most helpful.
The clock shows **3:14**
